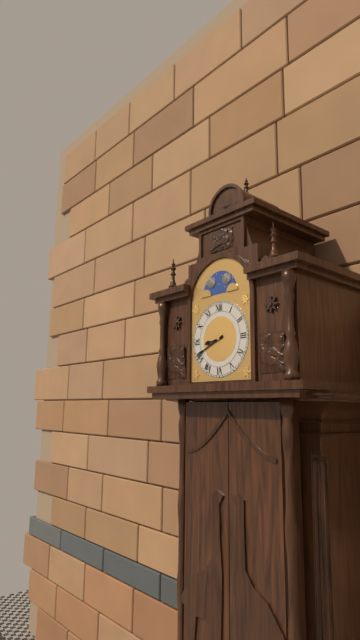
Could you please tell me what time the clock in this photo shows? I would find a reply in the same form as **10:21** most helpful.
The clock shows **8:41**
